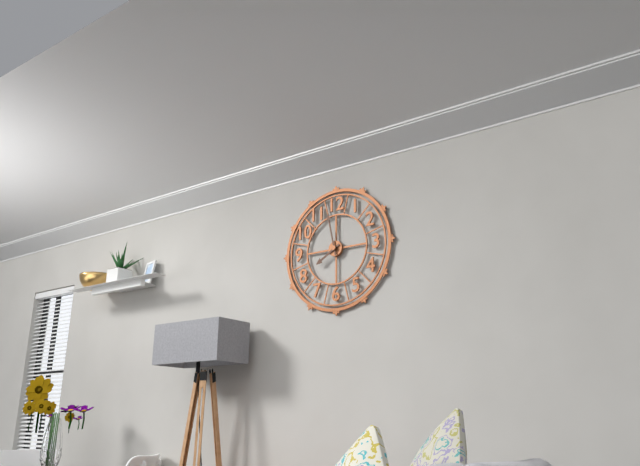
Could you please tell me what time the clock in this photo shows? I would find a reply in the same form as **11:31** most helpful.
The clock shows **7:58**
